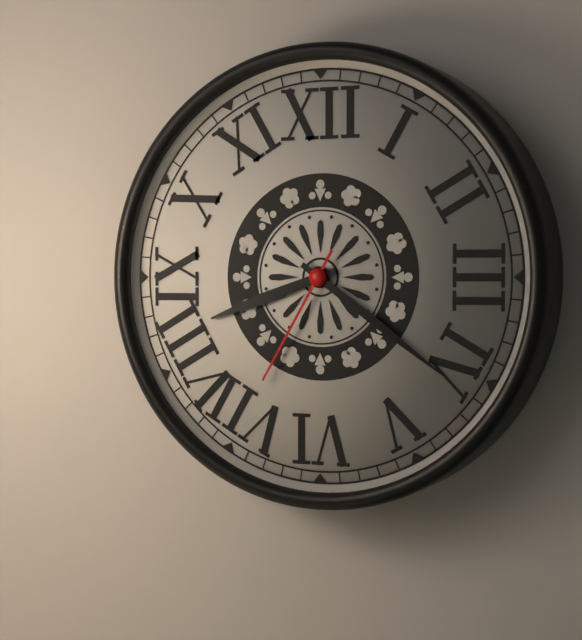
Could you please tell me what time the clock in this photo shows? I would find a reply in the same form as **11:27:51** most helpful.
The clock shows **8:21:35**
